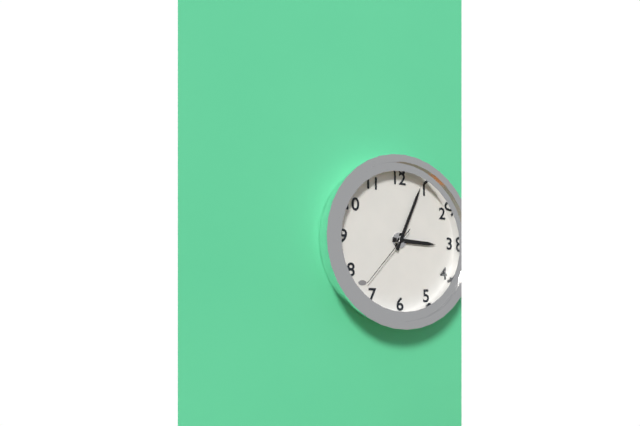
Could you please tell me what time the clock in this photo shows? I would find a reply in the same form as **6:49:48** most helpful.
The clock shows **3:04:37**
